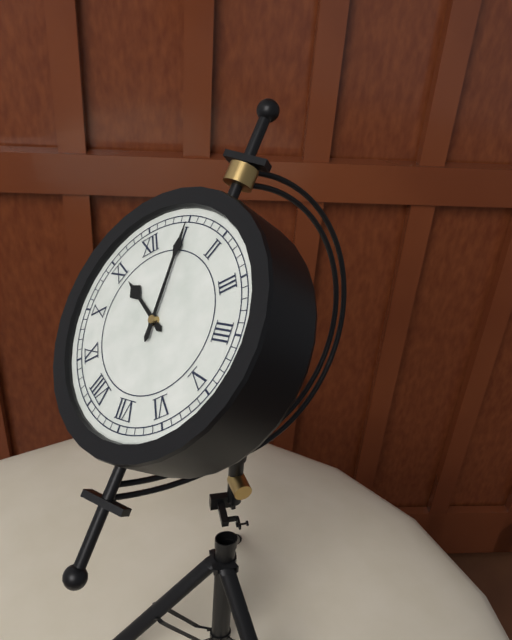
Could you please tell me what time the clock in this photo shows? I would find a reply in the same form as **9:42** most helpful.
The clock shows **11:05**
